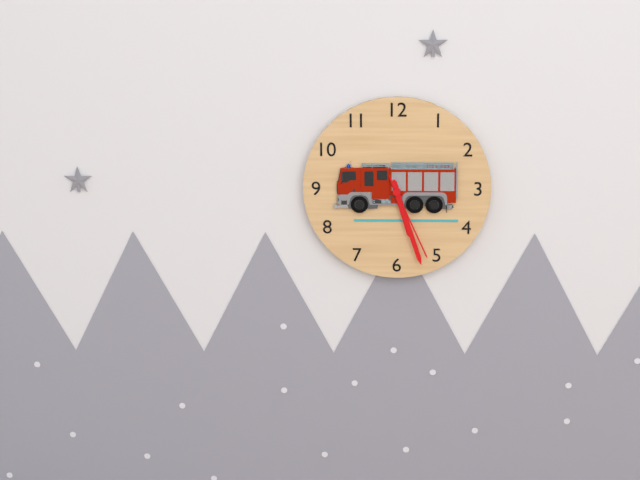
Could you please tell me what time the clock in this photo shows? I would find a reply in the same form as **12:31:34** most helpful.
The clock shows **5:27:26**
